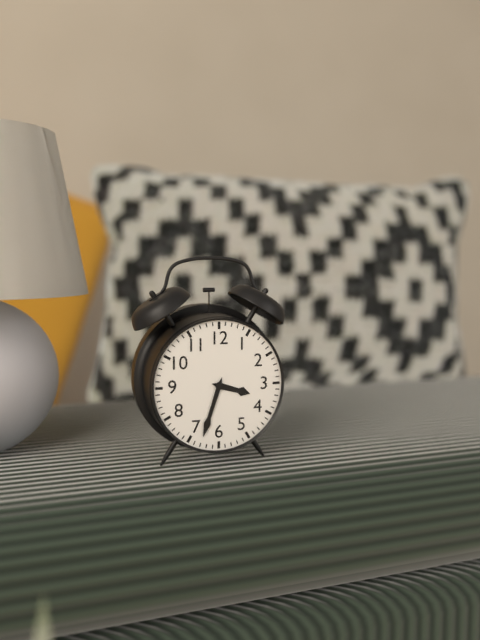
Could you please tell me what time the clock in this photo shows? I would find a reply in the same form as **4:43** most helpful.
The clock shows **3:33**
